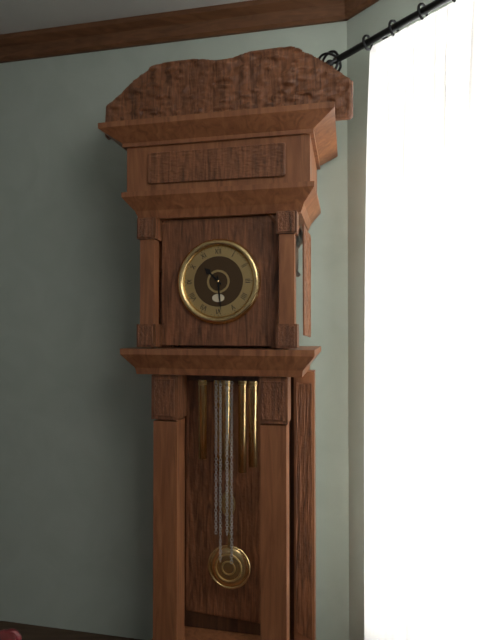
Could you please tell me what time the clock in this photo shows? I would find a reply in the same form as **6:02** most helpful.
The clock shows **10:29**
